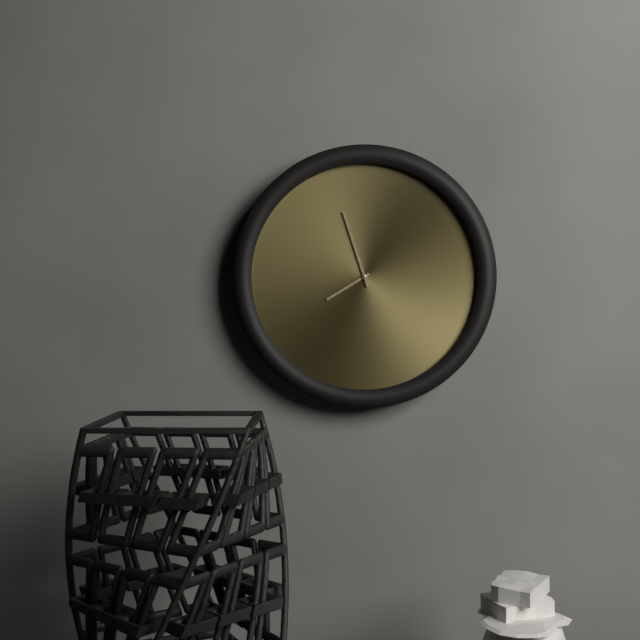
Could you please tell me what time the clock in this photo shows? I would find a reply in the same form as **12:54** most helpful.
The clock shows **7:57**
